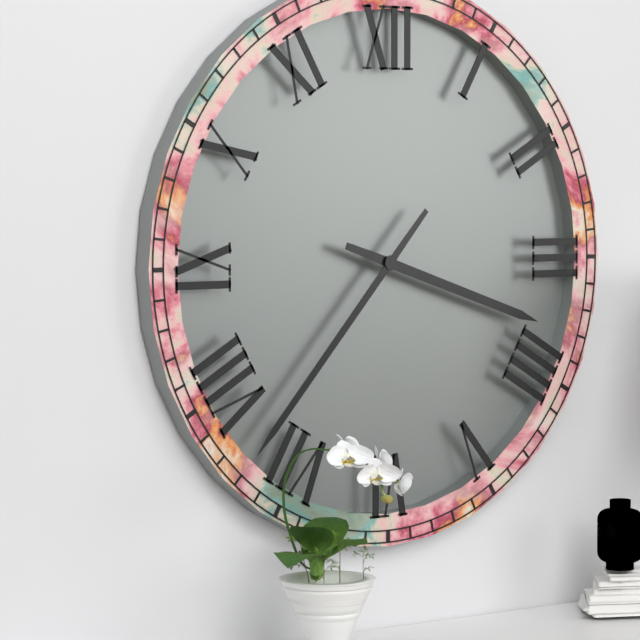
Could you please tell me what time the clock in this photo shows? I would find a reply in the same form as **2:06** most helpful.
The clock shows **3:37**
